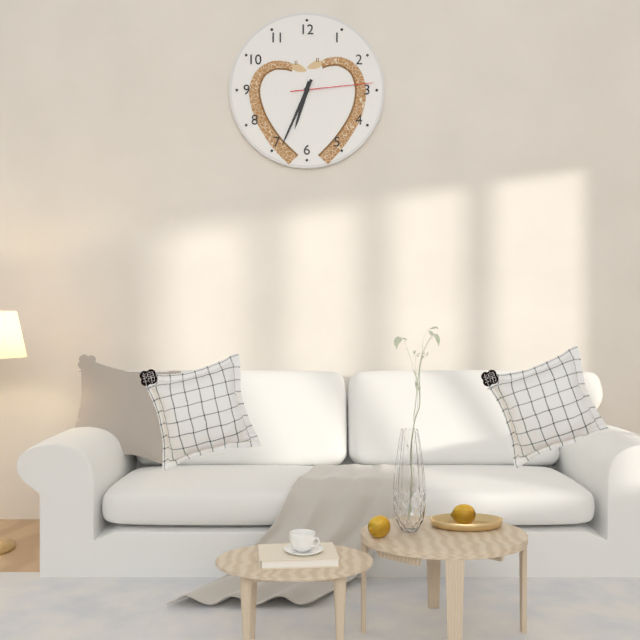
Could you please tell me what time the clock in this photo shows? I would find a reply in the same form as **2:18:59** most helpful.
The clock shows **6:34:14**
